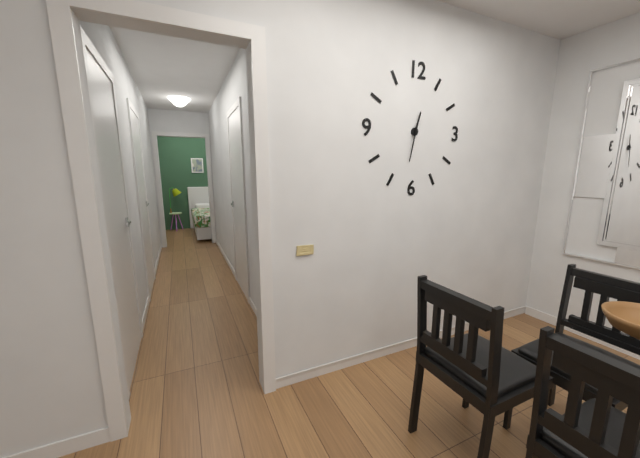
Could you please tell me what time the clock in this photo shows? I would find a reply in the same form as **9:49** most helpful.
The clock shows **12:32**
